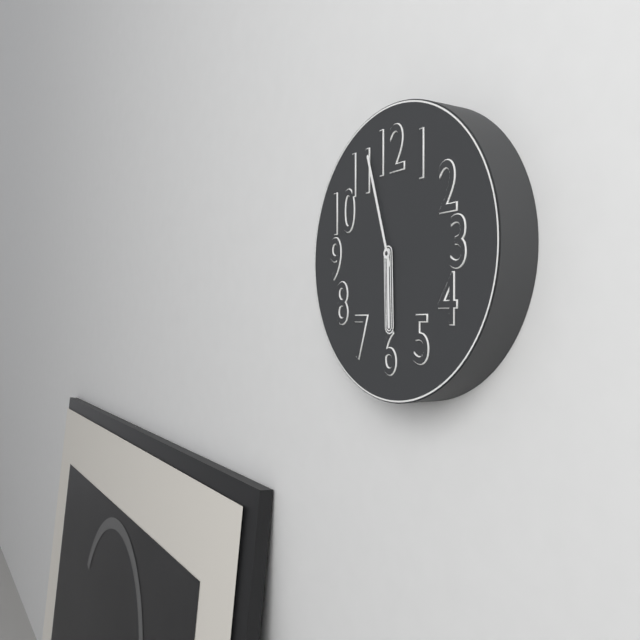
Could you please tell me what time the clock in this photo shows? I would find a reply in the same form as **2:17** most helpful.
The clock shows **5:57**
